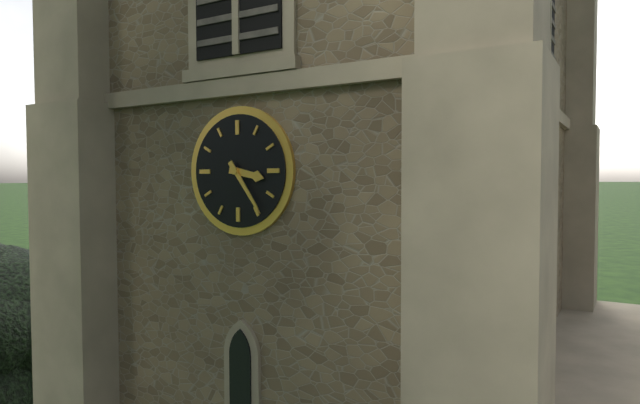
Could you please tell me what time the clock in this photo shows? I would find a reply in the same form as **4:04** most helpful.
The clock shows **3:24**
